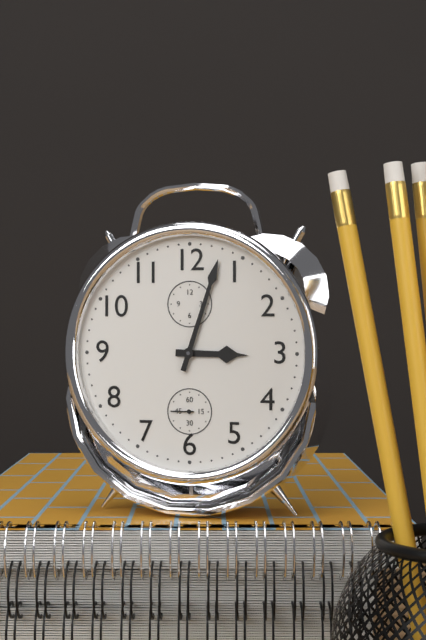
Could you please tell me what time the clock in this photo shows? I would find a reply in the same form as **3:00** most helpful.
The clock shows **3:03**
